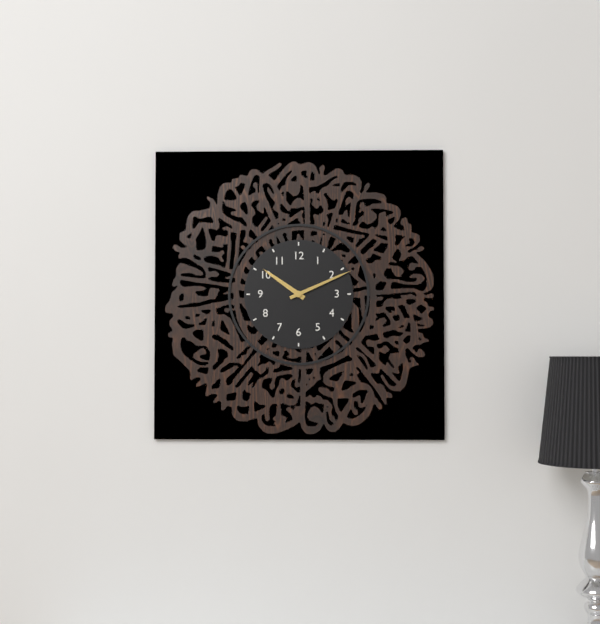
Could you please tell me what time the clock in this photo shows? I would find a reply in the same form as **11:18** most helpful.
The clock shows **10:11**
